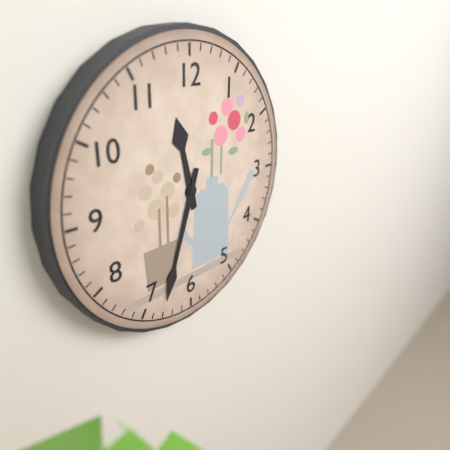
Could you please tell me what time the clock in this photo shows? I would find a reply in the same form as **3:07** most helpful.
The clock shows **11:33**
